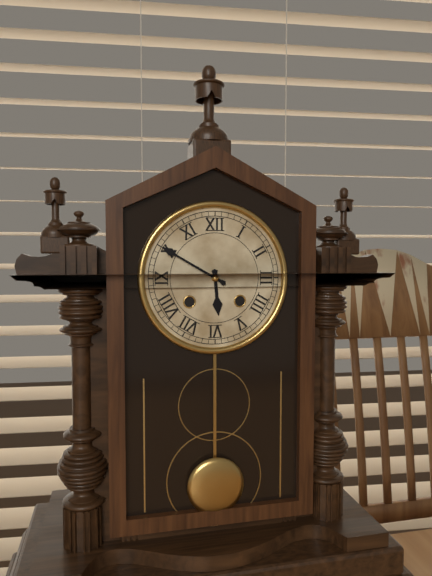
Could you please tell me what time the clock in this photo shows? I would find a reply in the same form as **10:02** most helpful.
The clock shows **5:50**
